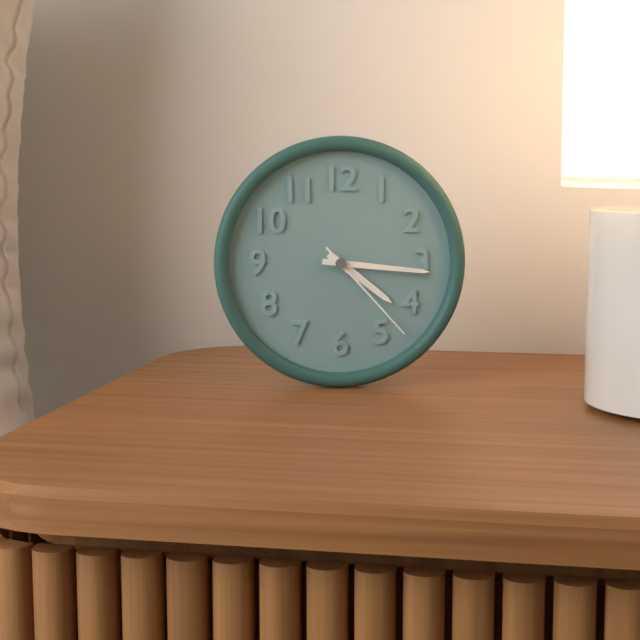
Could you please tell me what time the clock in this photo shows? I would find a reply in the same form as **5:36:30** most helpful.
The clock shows **4:16:23**
